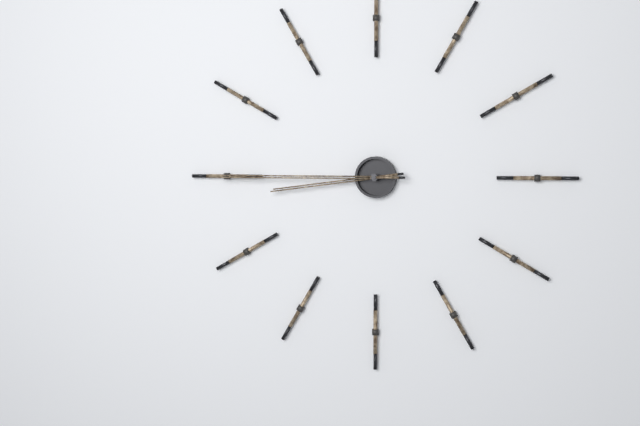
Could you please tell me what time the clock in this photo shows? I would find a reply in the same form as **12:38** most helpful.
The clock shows **8:45**
